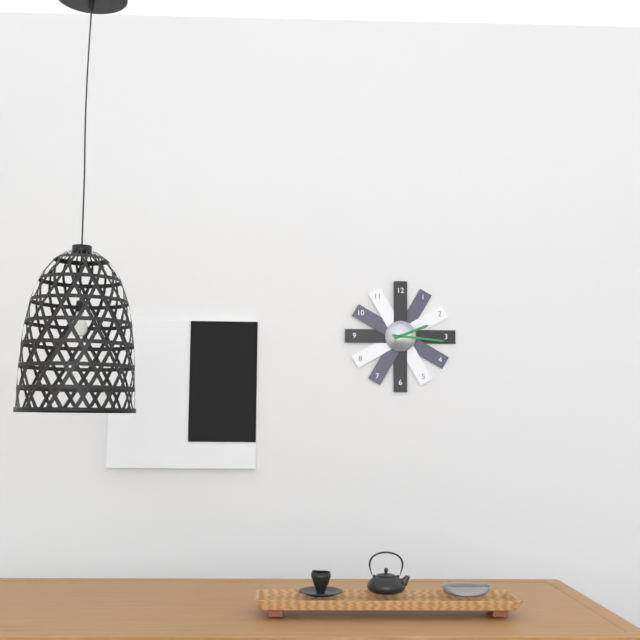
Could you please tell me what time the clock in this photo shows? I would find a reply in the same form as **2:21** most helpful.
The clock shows **2:16**
